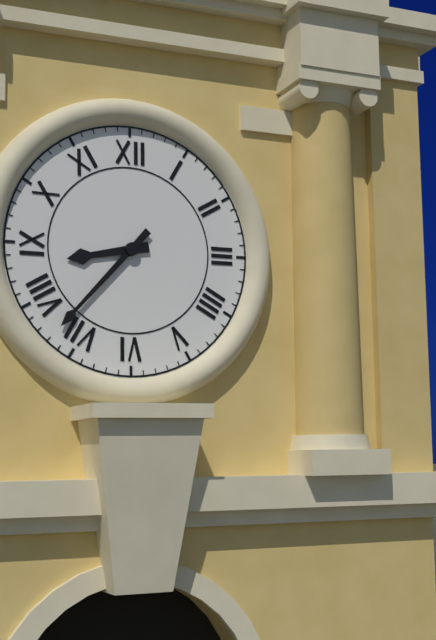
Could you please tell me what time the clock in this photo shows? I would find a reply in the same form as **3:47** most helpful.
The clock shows **8:37**
